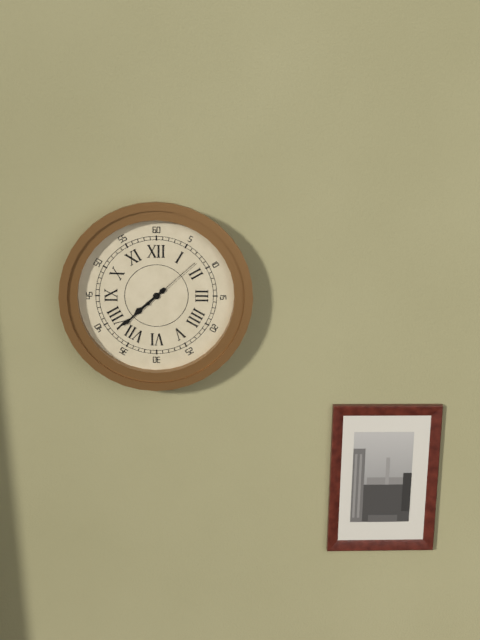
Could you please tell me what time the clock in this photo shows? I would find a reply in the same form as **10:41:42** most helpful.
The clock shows **7:38:08**
